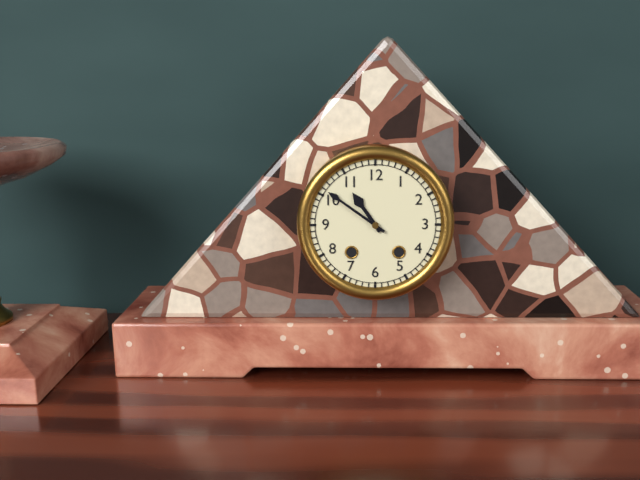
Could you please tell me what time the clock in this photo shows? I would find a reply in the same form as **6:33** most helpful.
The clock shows **10:51**
